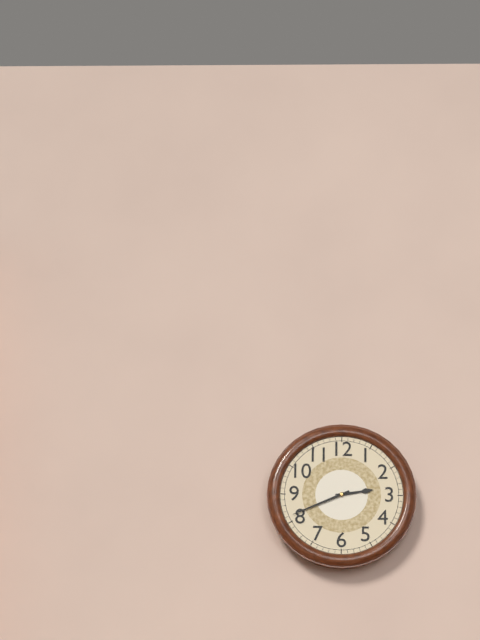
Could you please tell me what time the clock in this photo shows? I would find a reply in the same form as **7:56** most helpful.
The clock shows **2:41**
